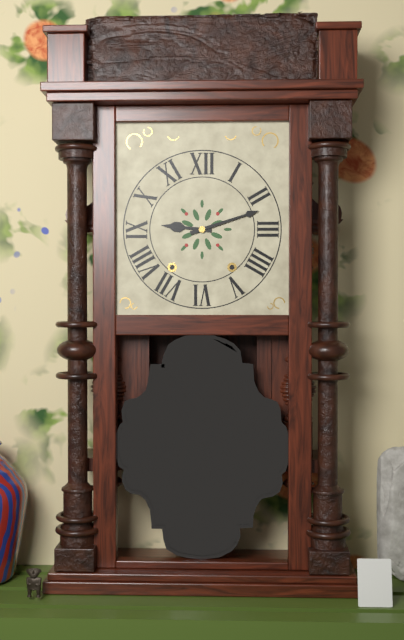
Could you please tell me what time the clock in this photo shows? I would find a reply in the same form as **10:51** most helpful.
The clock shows **9:12**
